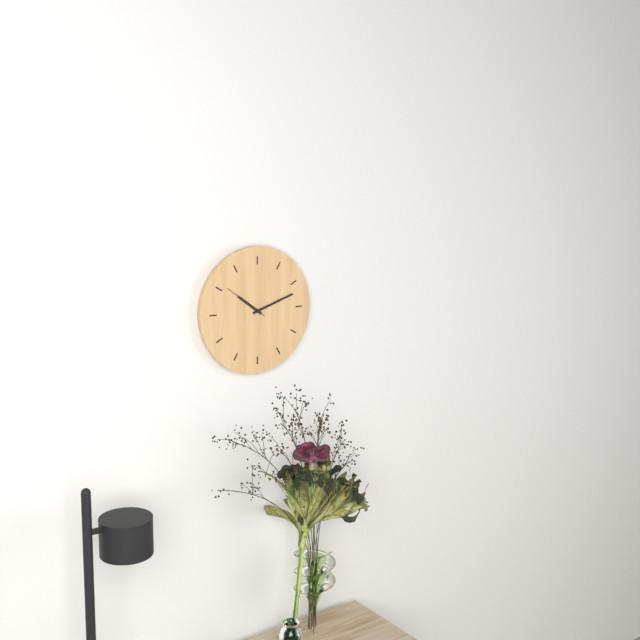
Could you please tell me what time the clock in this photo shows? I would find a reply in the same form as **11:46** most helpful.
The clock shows **10:12**
